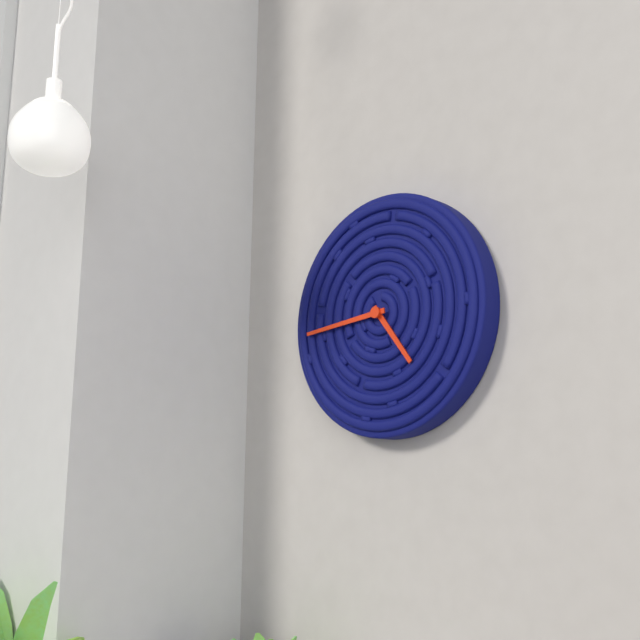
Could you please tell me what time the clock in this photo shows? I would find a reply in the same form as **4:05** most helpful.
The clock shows **4:44**
